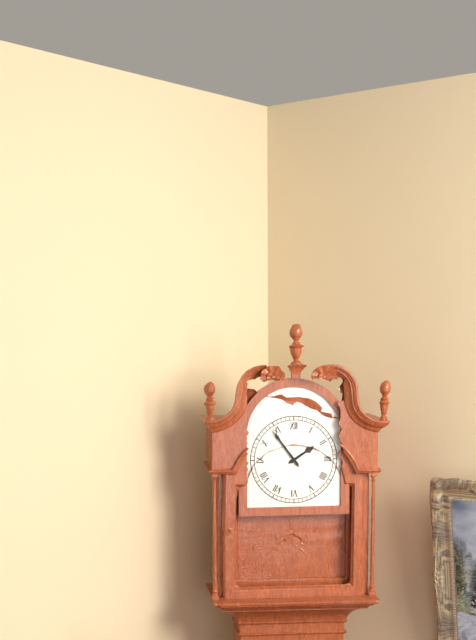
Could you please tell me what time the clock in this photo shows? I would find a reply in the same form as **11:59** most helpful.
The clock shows **1:54**
